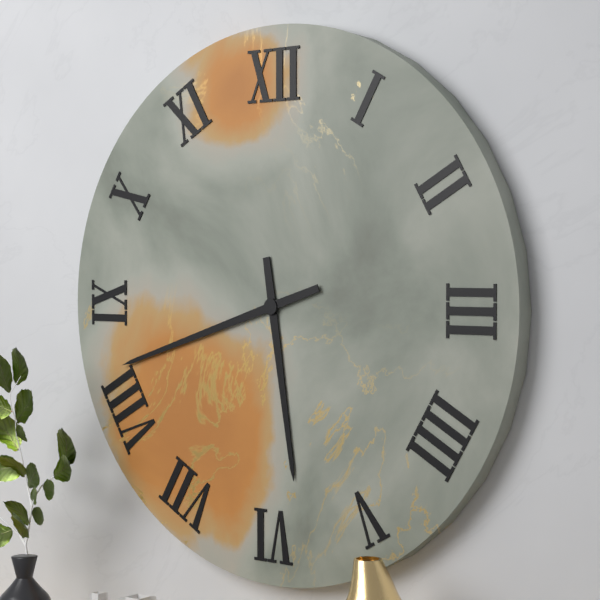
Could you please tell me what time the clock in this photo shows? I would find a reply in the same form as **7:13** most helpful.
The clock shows **5:42**
